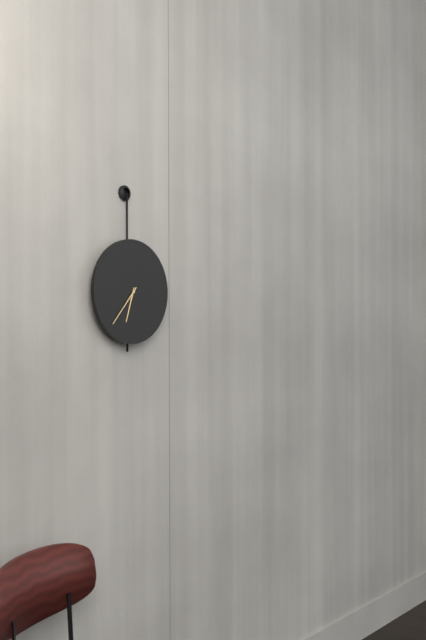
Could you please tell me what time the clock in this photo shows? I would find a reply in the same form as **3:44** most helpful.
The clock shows **6:37**
